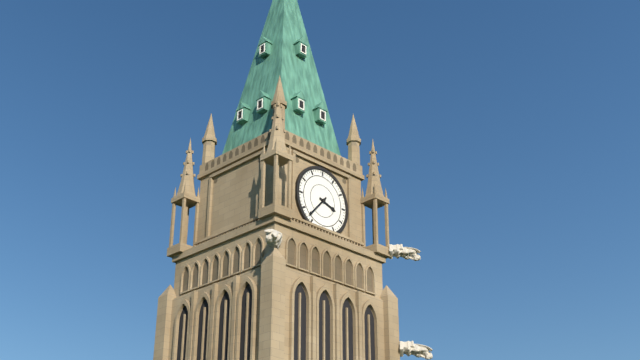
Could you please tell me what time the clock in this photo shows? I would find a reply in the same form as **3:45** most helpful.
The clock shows **3:37**
